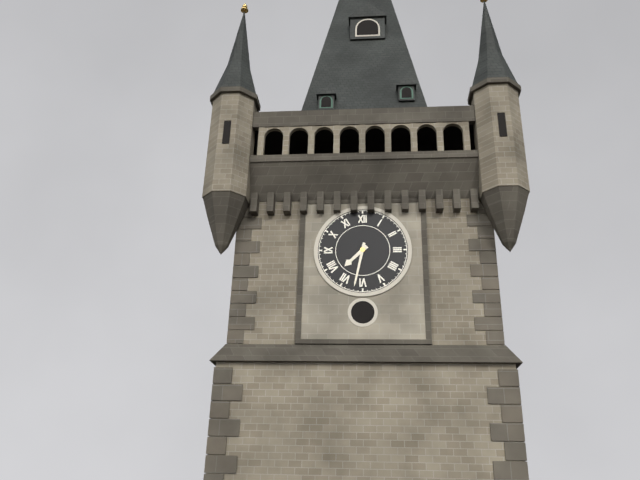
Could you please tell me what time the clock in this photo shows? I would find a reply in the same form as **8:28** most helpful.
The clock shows **7:32**
